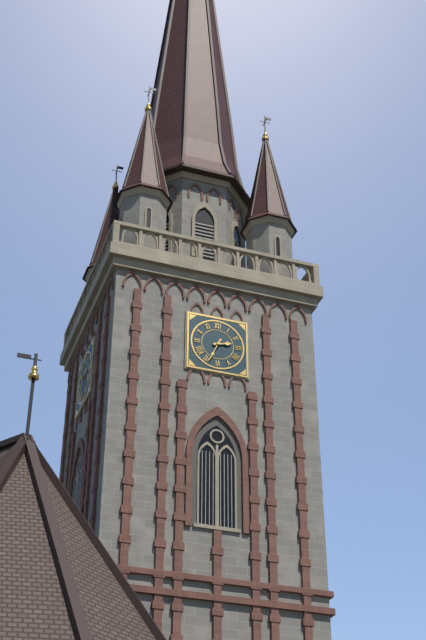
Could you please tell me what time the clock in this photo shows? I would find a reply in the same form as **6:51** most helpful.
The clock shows **2:34**
